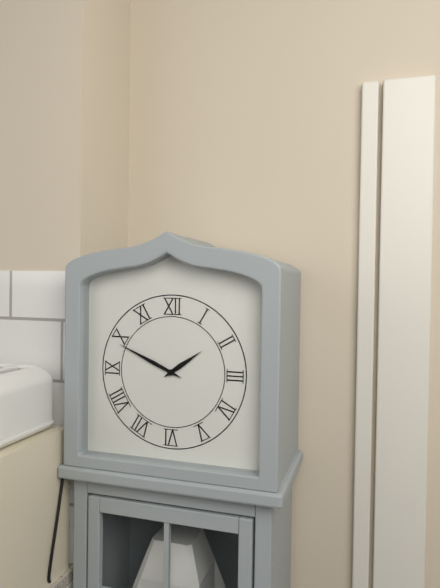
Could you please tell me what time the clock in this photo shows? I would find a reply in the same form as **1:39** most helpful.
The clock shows **1:49**
